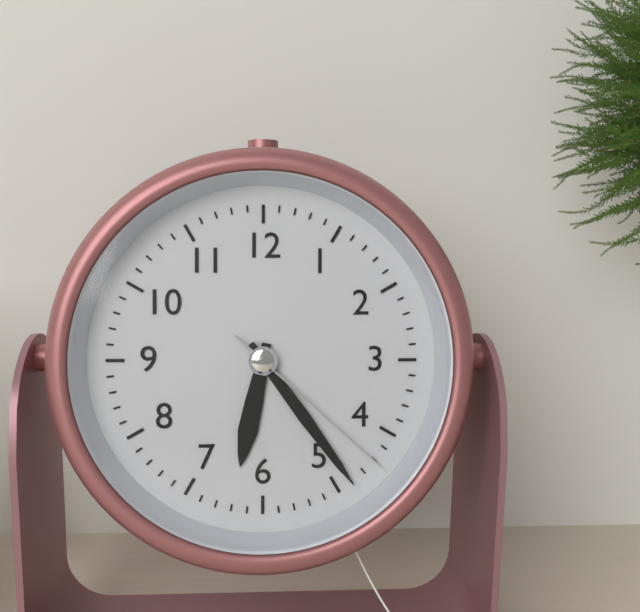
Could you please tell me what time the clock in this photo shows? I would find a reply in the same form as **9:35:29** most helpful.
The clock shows **6:24:22**
